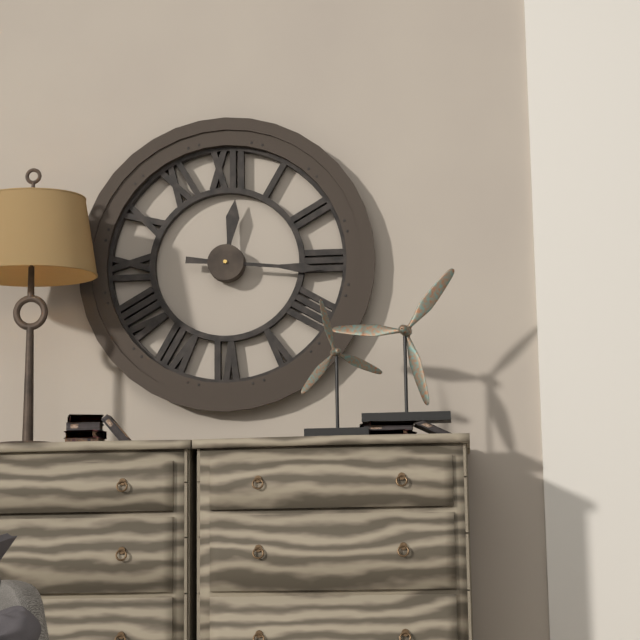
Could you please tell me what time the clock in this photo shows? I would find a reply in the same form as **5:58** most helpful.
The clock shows **12:16**
